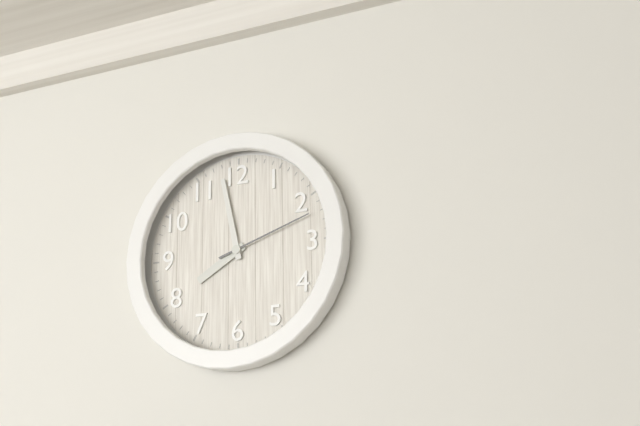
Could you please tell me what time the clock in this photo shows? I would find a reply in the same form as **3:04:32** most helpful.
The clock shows **7:58:12**
